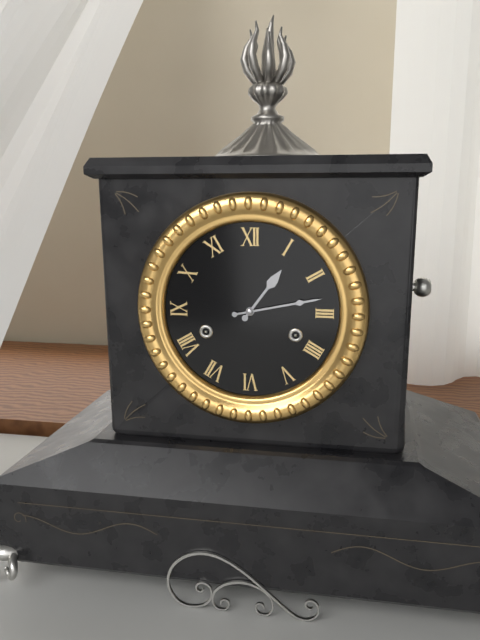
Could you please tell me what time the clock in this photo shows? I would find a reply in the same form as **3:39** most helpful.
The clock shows **1:13**
